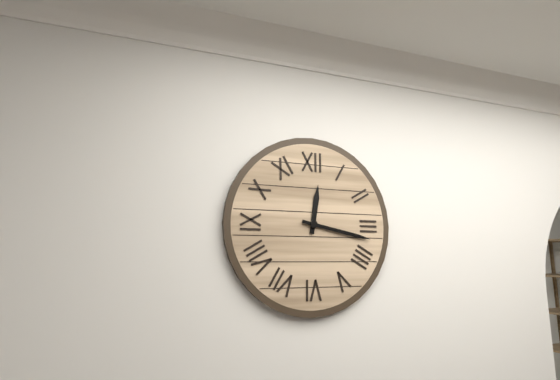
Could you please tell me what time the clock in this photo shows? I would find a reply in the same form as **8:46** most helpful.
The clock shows **12:17**
